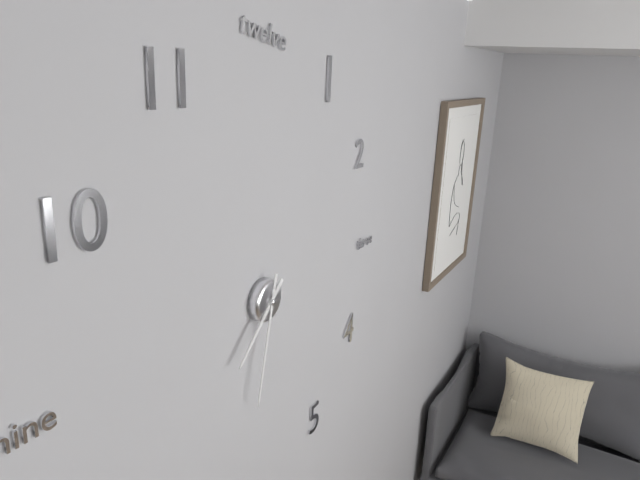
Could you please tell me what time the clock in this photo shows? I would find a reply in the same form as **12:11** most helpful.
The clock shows **7:32**
